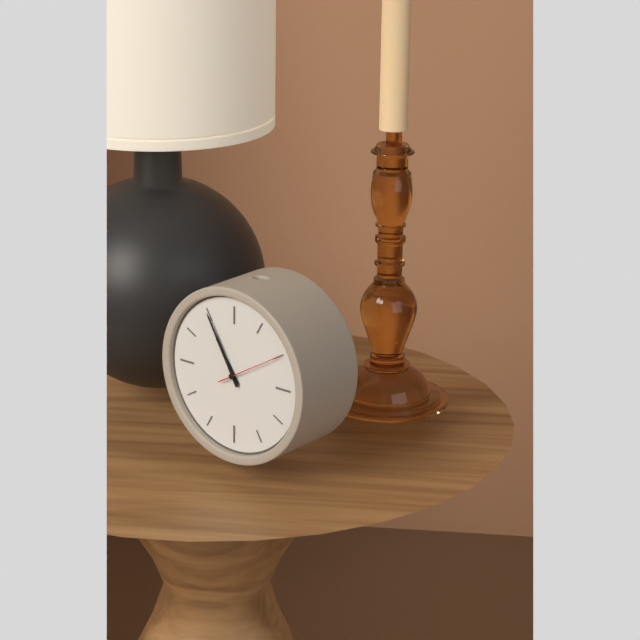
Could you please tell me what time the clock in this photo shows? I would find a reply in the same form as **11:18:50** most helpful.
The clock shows **10:55:10**
